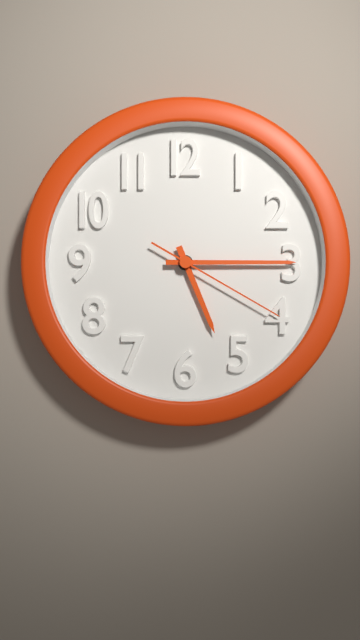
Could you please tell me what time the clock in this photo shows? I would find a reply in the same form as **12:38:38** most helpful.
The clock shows **5:15:20**
